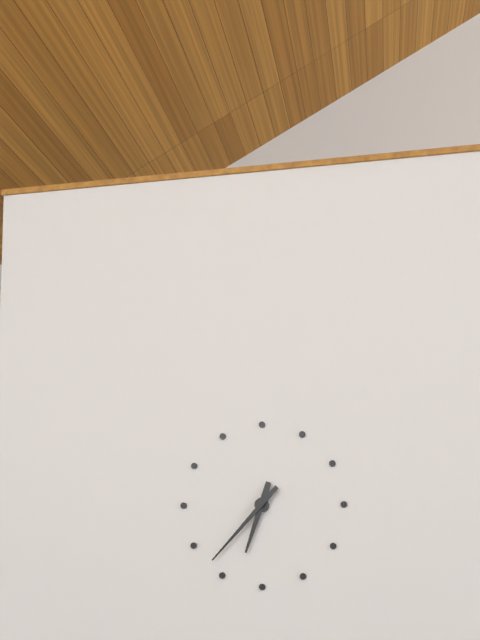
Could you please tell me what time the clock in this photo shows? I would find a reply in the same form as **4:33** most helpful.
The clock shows **6:37**
